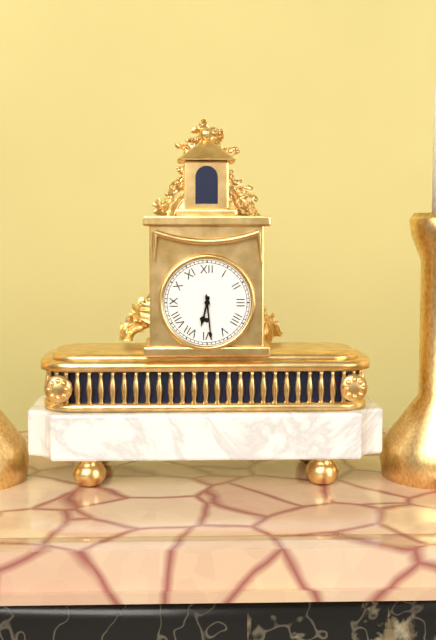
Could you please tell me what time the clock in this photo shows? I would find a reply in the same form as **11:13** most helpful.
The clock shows **6:29**
